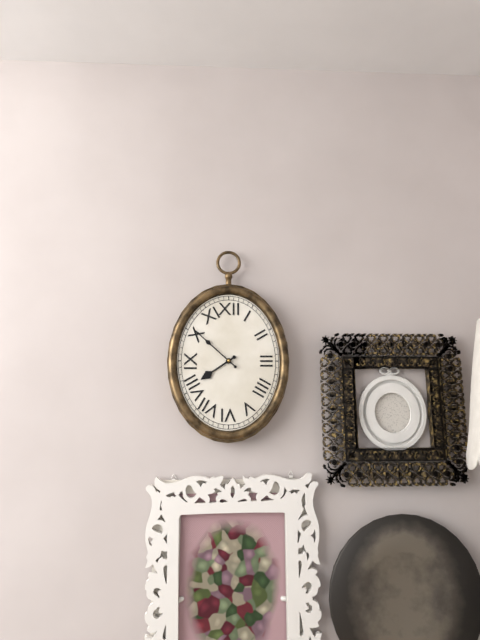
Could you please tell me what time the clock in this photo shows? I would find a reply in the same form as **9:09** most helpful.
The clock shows **7:52**
